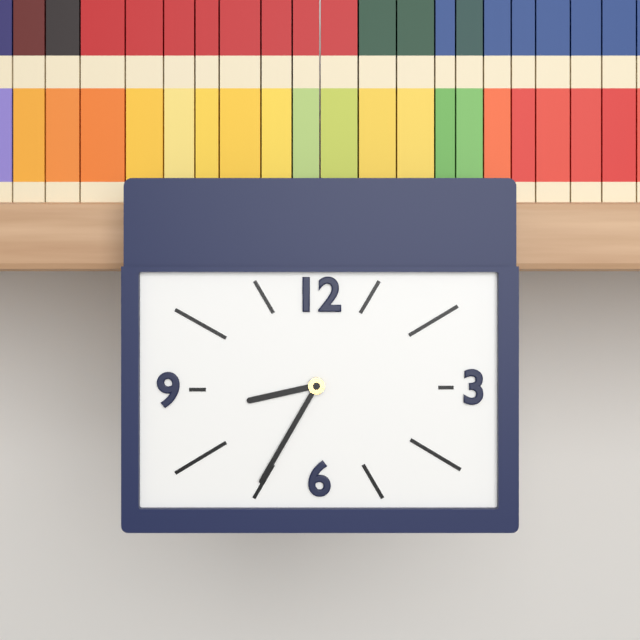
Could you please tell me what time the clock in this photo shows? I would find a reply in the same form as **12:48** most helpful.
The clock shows **8:35**
